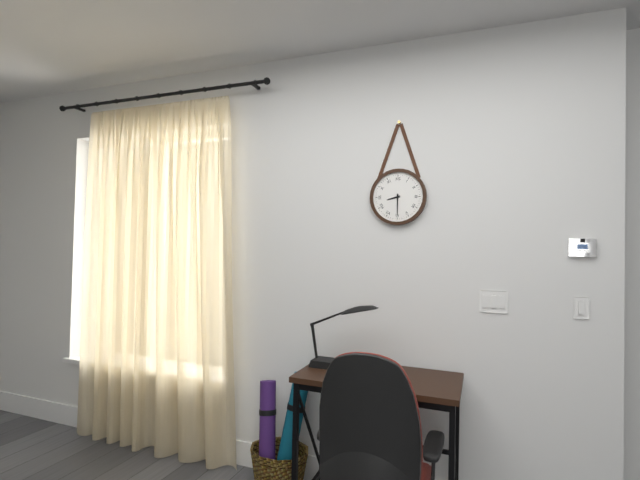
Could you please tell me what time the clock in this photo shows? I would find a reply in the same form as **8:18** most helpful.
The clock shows **8:30**
